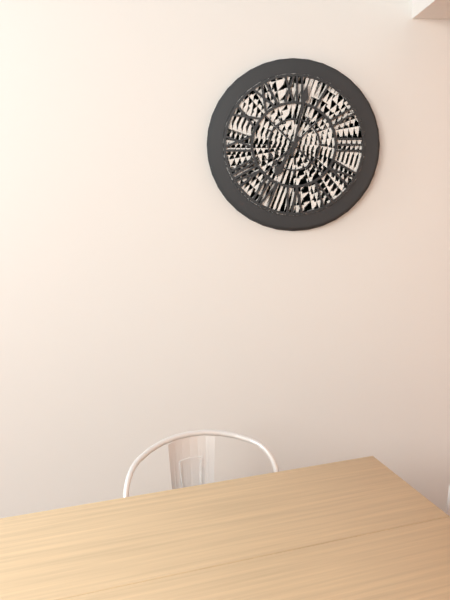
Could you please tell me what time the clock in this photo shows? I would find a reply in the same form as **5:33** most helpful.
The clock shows **7:02**
